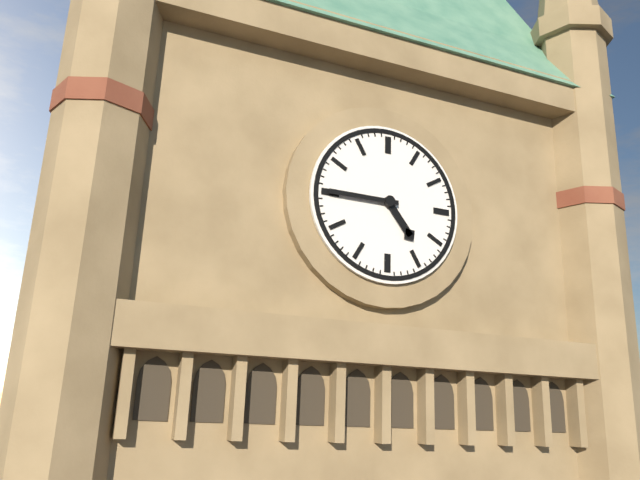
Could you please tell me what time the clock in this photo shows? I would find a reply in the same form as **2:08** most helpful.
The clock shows **4:45**
